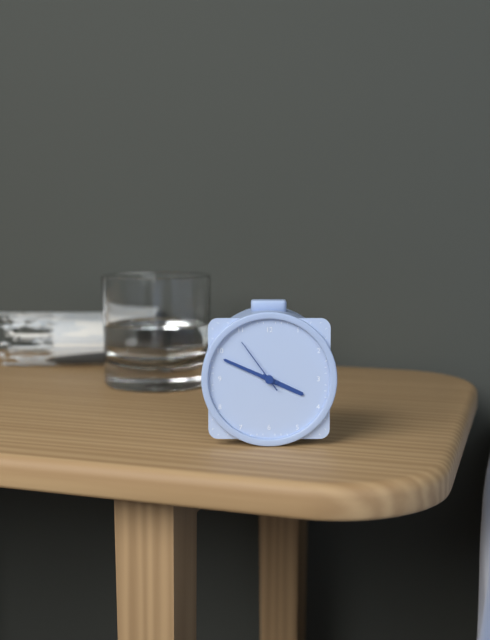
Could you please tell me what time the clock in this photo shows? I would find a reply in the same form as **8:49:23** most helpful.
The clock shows **3:49:54**
